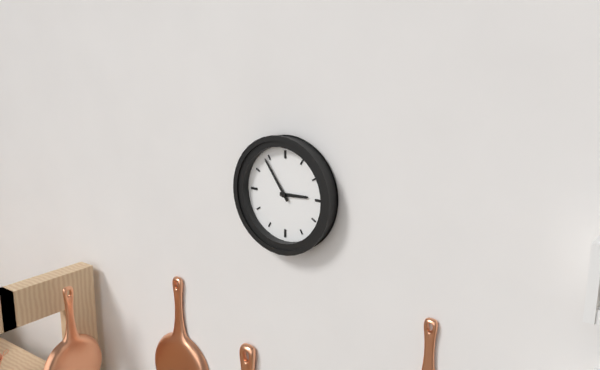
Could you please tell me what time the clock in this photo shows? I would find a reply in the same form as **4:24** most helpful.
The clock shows **2:54**
